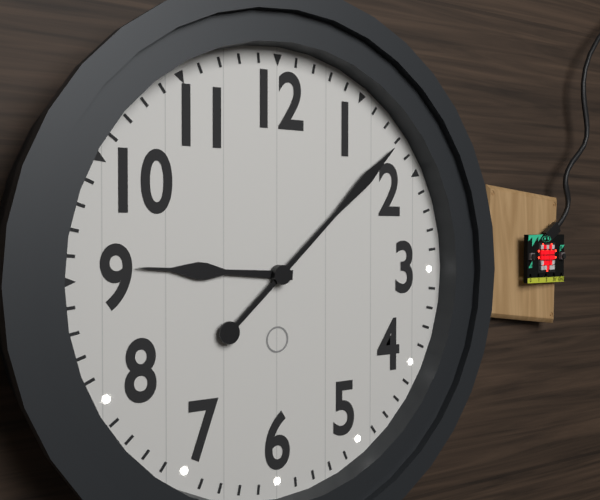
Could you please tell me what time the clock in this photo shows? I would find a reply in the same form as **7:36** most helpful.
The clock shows **9:08**
